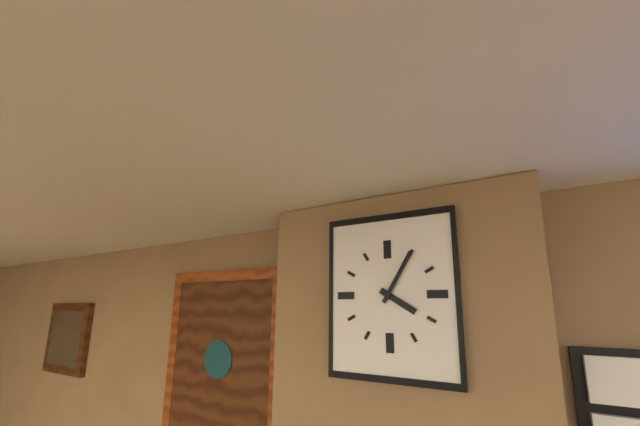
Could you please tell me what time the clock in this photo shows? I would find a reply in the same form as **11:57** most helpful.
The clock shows **4:05**
